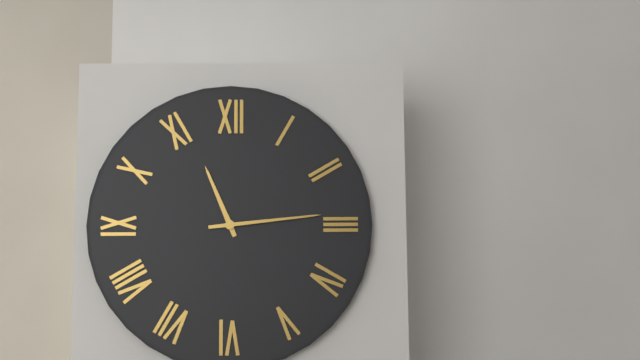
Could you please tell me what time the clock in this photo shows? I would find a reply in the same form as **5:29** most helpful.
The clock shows **11:14**
